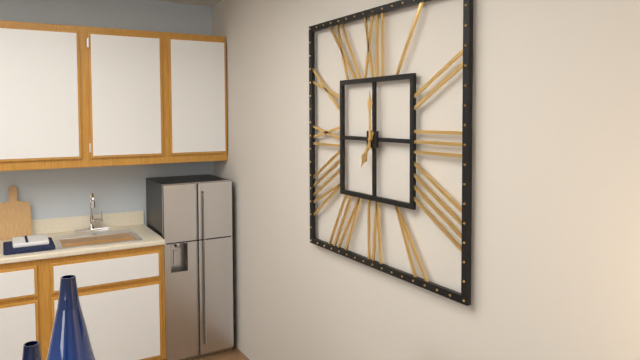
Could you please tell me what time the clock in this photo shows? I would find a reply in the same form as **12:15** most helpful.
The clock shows **7:00**
